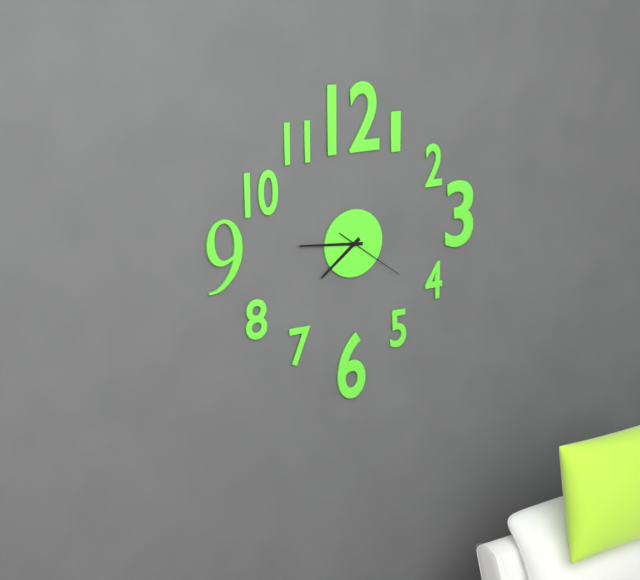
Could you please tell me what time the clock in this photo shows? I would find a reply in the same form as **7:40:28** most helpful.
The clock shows **7:46:21**
